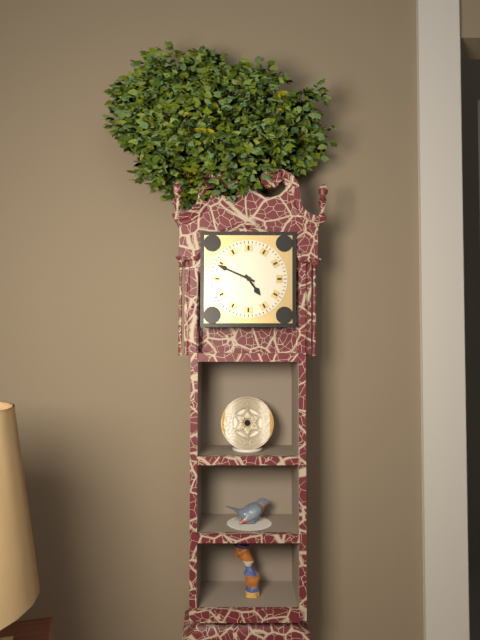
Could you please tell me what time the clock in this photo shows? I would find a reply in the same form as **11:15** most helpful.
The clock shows **4:49**
